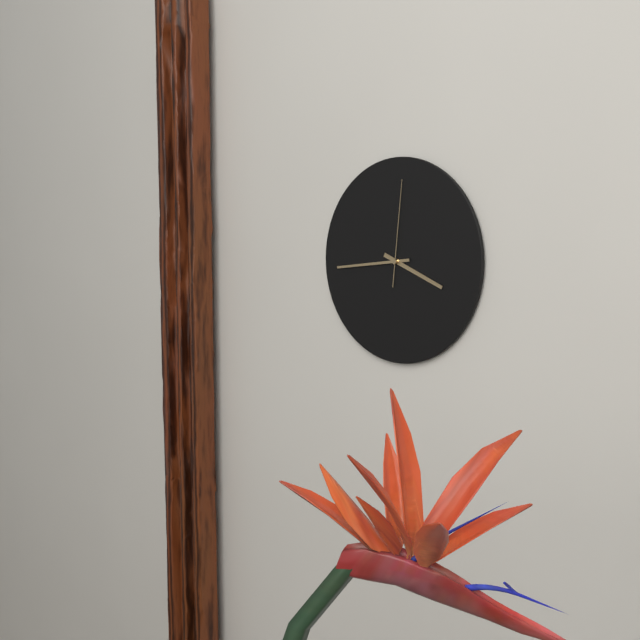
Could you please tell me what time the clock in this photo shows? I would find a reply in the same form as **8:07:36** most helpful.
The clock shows **3:44:01**
